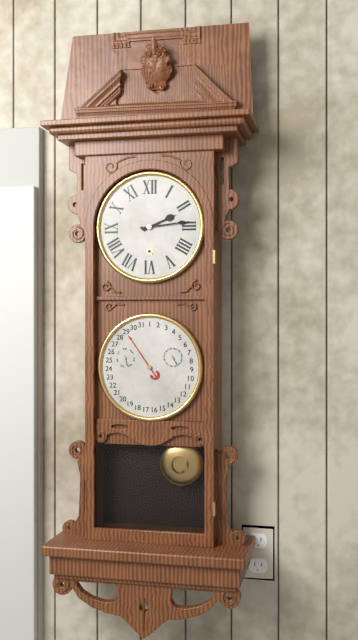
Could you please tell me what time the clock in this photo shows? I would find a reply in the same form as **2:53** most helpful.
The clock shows **2:14**
